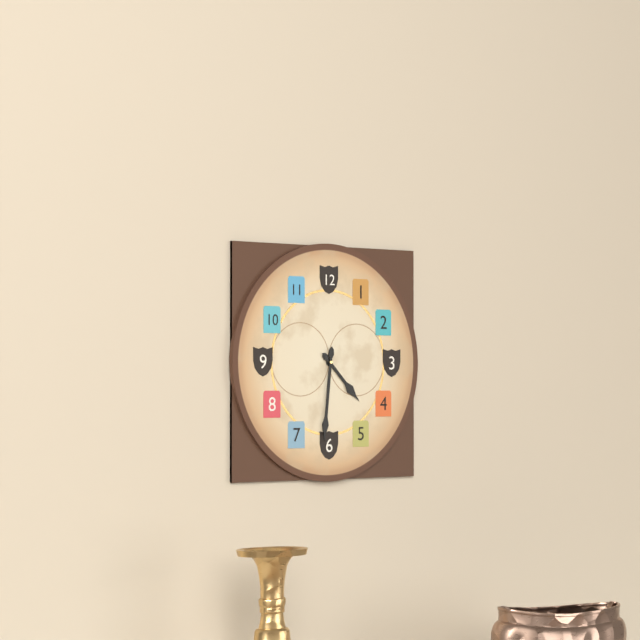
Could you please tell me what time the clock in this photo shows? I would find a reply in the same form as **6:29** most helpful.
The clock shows **4:31**
